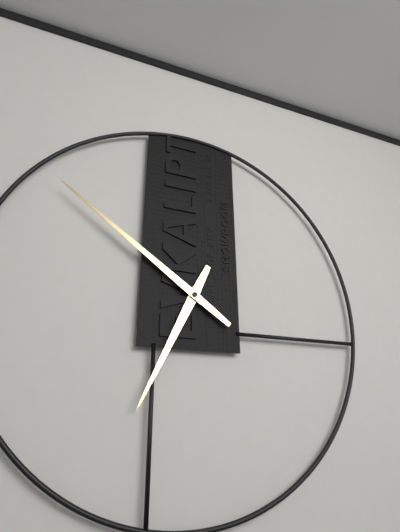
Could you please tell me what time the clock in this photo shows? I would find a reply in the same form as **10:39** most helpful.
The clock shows **6:51**
